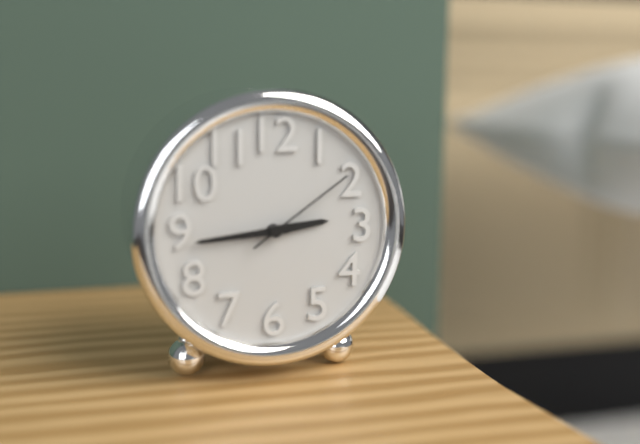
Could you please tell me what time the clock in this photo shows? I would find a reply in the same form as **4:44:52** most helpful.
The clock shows **2:44:09**
